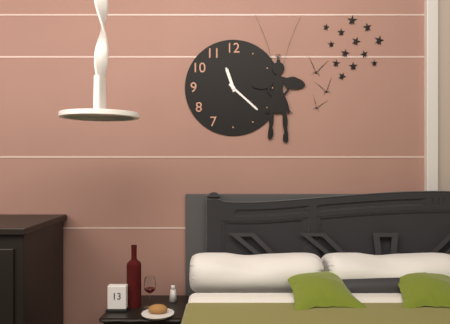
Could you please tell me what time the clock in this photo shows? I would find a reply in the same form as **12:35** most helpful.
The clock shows **11:22**
